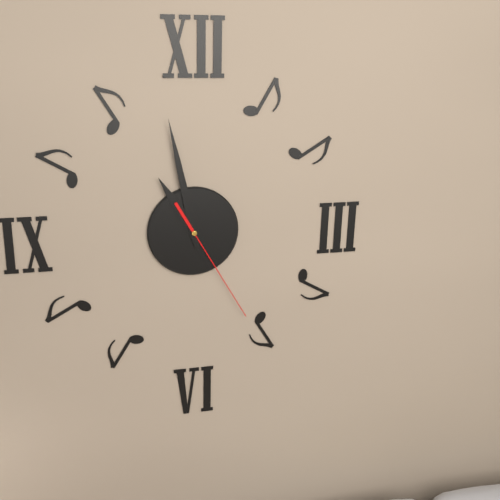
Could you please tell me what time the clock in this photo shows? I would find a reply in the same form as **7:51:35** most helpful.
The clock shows **10:58:25**
